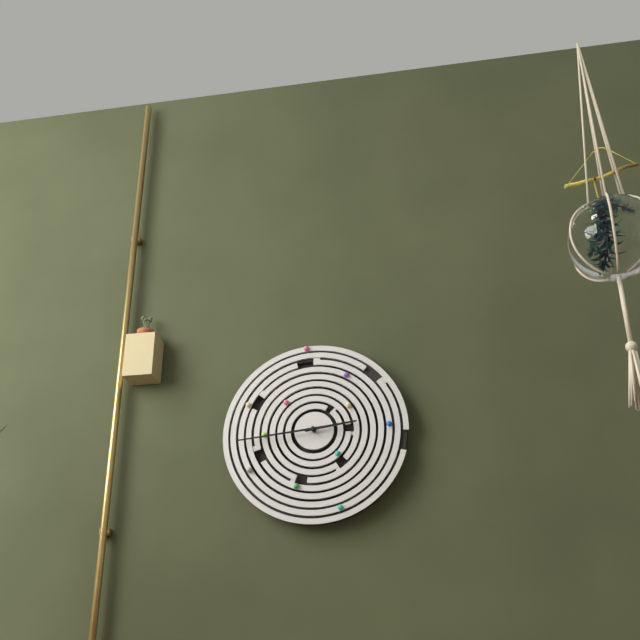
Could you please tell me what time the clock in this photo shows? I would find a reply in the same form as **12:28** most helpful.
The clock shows **2:44**
